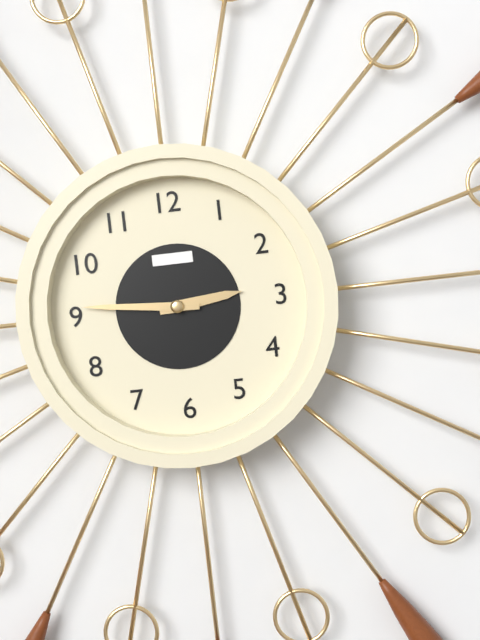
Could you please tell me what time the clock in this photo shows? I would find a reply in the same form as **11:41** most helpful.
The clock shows **2:46**
